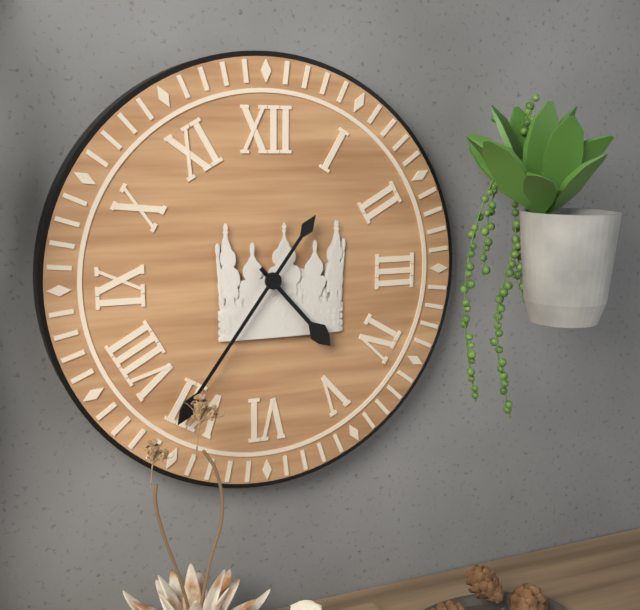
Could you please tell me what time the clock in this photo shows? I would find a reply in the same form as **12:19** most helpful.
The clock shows **4:36**
